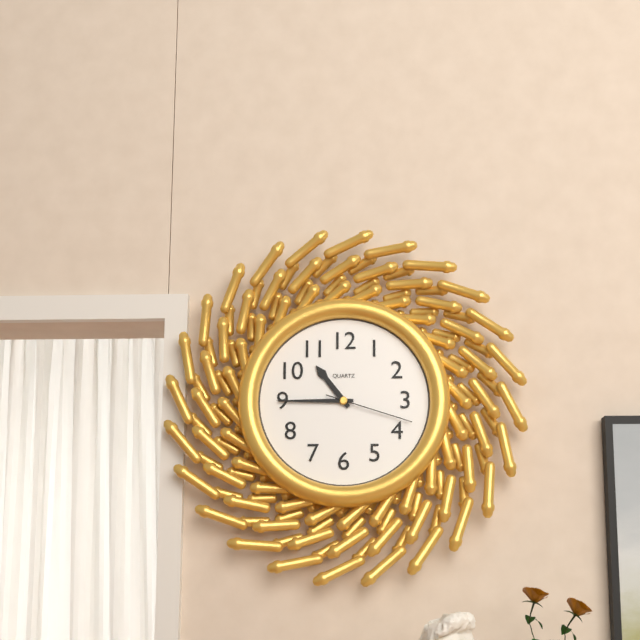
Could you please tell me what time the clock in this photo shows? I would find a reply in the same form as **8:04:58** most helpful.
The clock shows **10:45:18**
